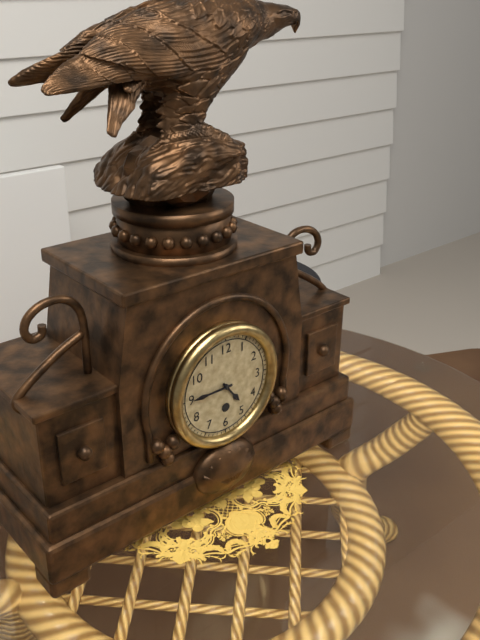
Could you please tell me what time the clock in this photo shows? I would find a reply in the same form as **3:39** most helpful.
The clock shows **4:45**
